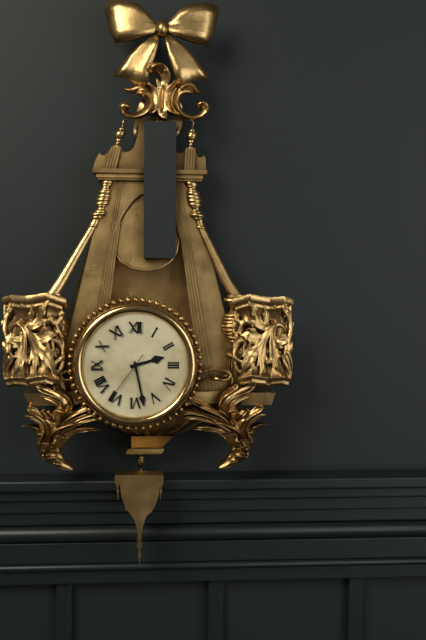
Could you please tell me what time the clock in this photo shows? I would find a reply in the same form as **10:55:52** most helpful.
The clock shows **2:28:36**
